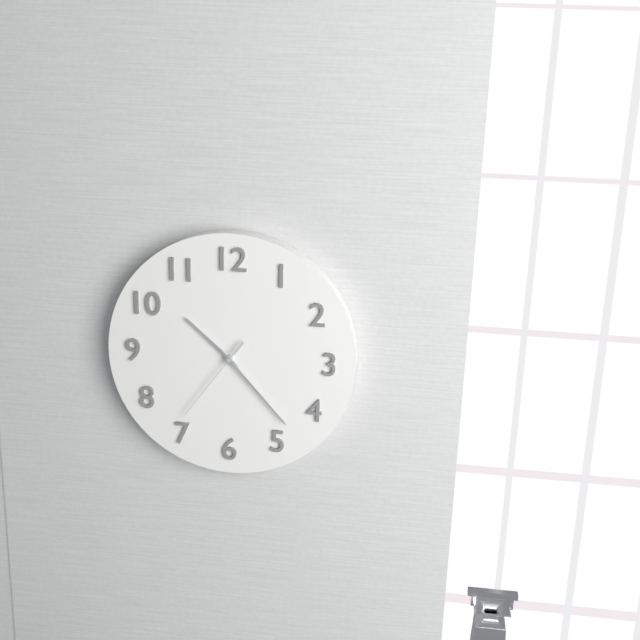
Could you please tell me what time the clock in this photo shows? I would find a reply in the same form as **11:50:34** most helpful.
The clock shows **10:23:36**
